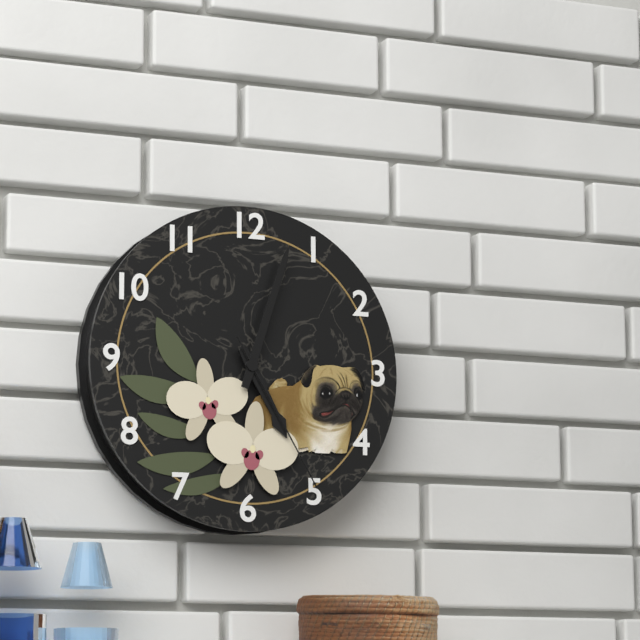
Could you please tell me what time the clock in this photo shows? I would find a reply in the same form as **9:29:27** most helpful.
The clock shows **5:03:25**
